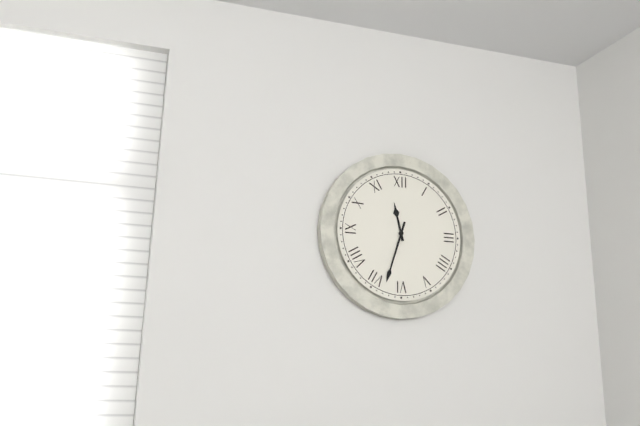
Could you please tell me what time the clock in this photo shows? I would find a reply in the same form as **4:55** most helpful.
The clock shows **11:33**
